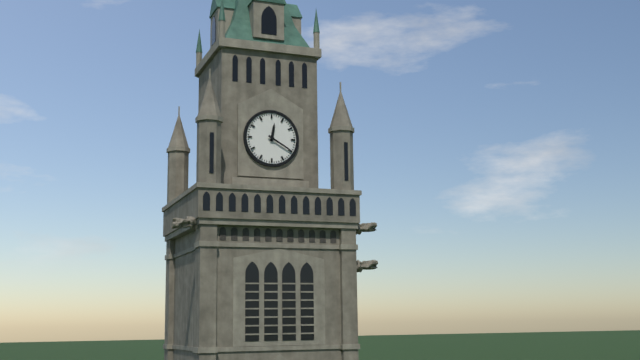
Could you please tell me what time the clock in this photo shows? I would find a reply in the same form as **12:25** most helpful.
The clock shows **12:20**
